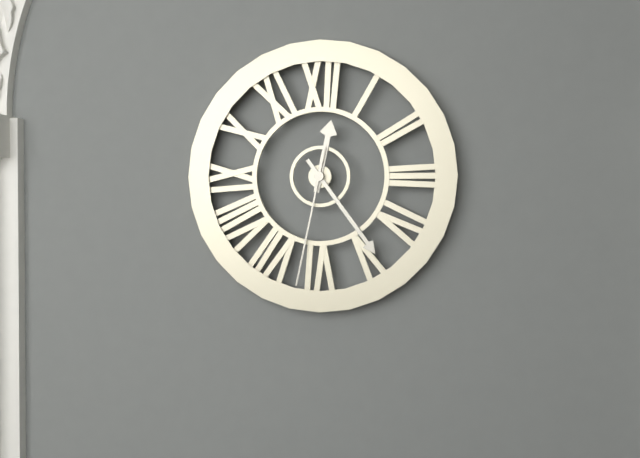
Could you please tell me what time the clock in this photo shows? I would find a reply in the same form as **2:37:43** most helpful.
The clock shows **12:24:32**
